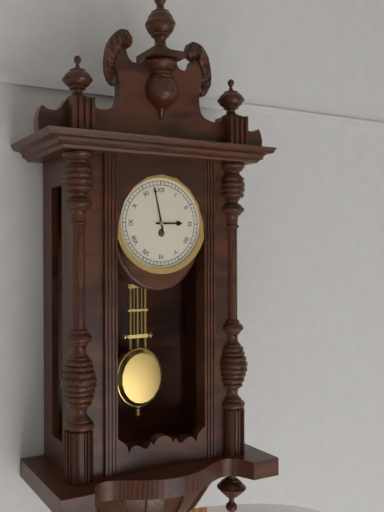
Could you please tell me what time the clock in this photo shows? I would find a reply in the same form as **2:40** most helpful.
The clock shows **2:58**
